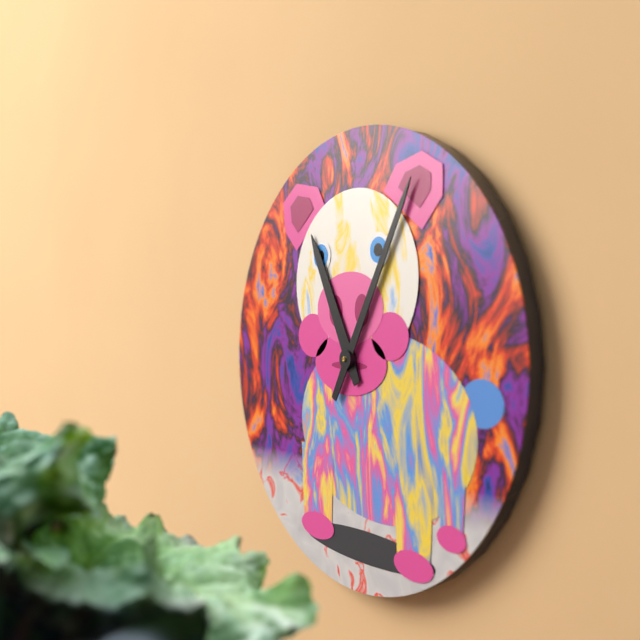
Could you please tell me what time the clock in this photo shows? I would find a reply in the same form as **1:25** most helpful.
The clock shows **11:05**
